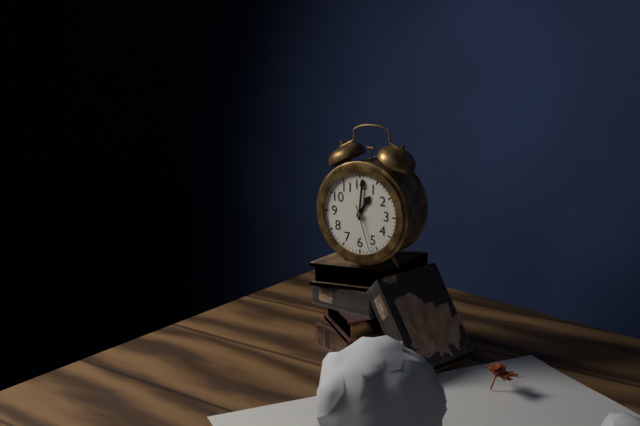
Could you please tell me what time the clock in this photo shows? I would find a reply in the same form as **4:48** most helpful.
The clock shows **1:01**
